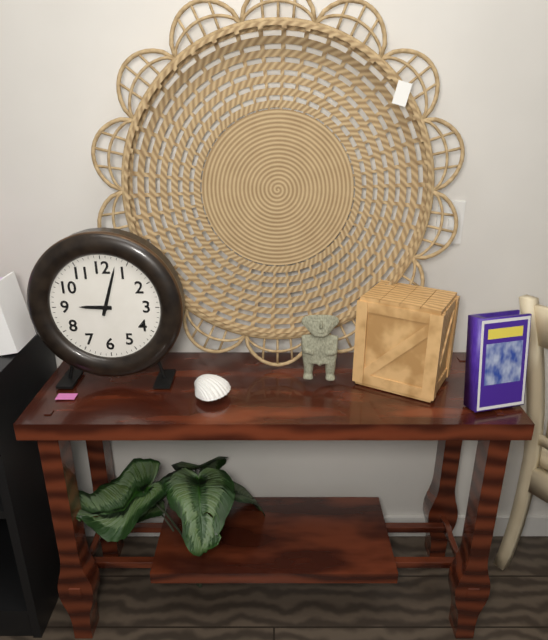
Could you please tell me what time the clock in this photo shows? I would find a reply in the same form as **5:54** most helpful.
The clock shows **9:03**
